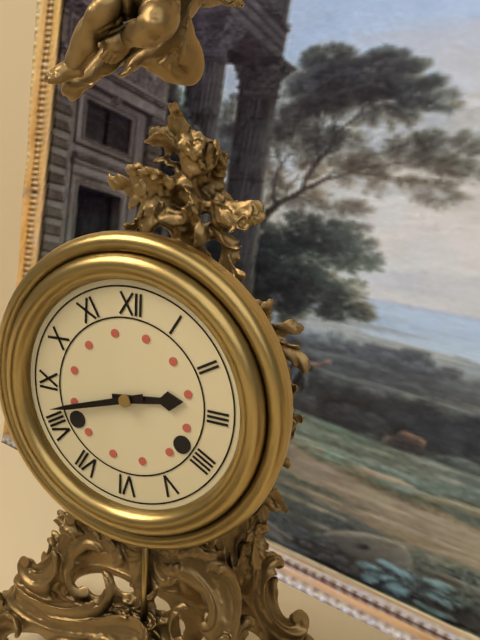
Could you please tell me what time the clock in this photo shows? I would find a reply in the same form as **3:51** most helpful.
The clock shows **2:42**
